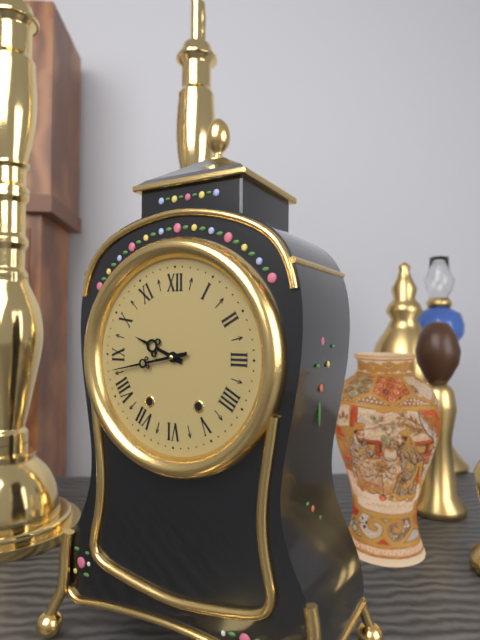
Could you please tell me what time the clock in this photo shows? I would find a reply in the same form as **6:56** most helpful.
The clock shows **9:43**
